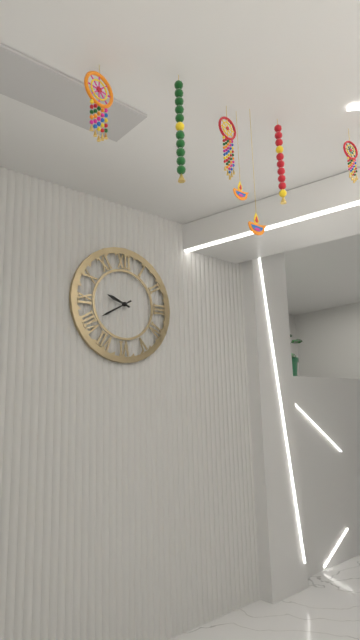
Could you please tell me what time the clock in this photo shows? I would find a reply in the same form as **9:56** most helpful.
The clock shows **9:40**
